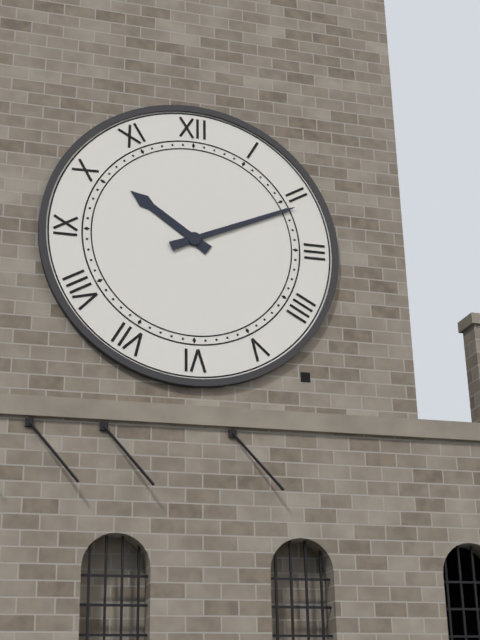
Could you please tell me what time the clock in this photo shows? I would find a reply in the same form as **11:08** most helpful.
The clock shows **10:11**
